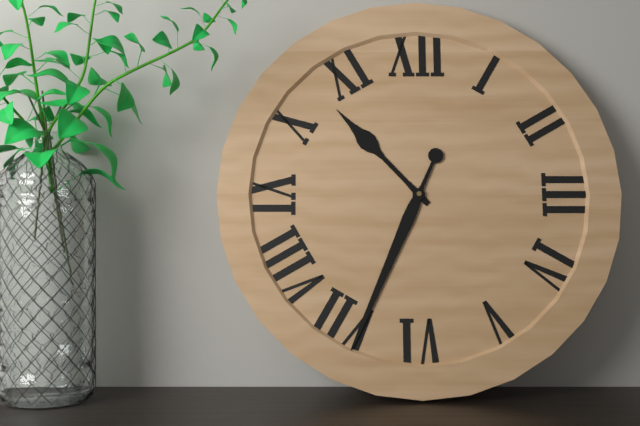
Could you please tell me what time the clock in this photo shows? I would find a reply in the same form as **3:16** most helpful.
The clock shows **10:34**
